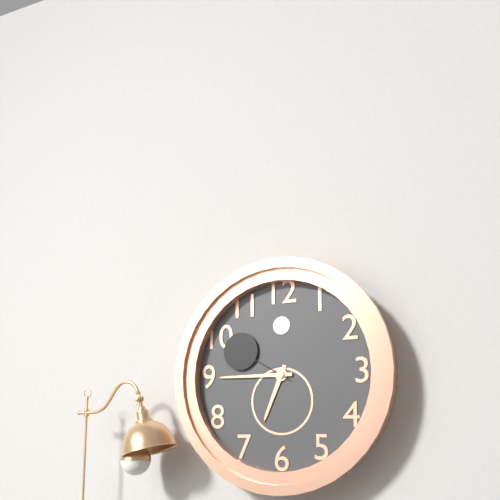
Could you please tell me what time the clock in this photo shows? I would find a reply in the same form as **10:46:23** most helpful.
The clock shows **6:45:50**
